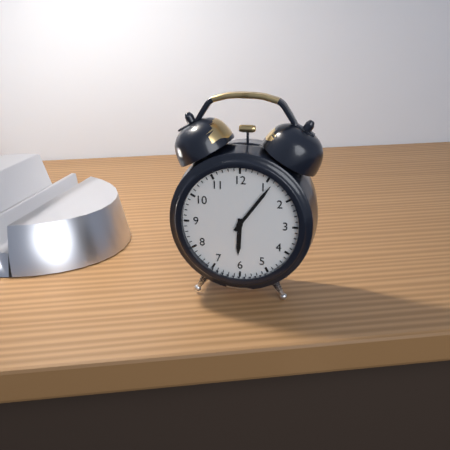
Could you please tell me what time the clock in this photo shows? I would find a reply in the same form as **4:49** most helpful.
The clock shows **6:06**
